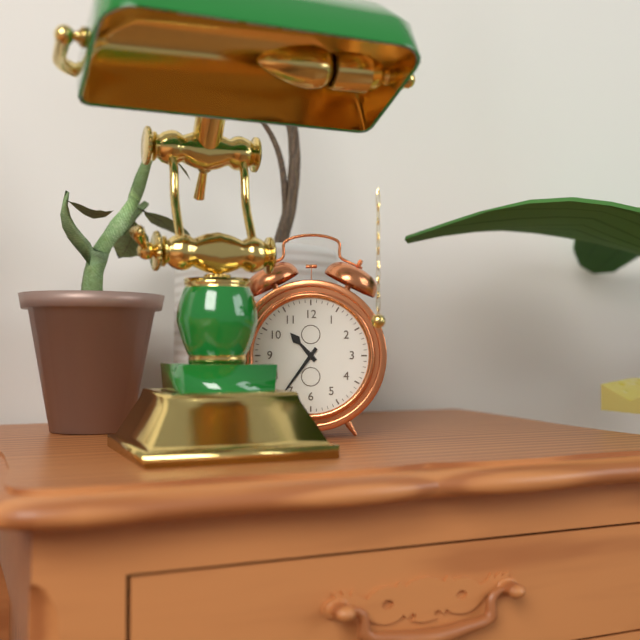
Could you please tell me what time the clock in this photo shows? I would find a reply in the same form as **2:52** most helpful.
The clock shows **10:36**
